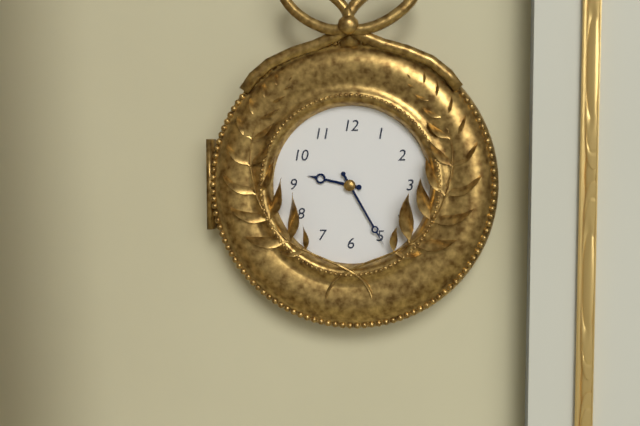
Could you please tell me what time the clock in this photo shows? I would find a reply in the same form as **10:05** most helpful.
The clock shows **9:25**
